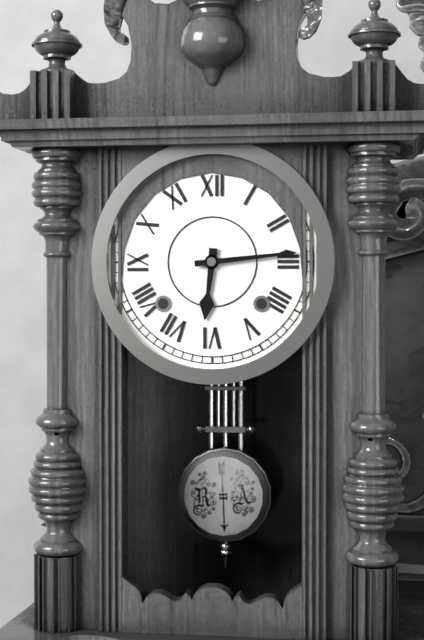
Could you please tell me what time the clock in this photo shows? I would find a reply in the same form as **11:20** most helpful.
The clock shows **6:14**
